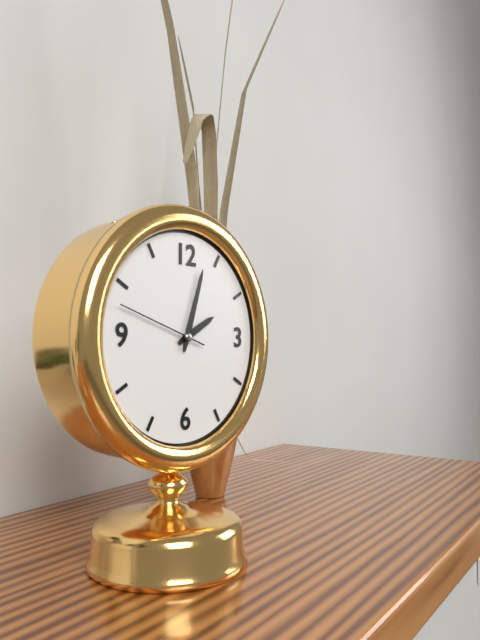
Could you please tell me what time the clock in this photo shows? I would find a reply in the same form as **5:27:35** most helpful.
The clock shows **2:03:48**
